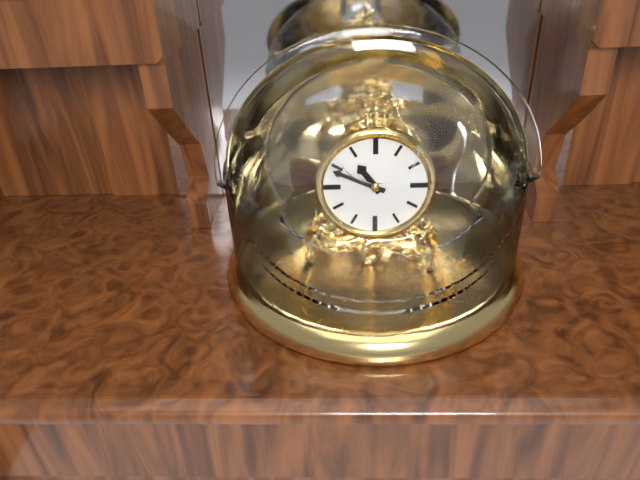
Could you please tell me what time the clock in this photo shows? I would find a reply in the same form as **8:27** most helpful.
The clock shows **10:49**
